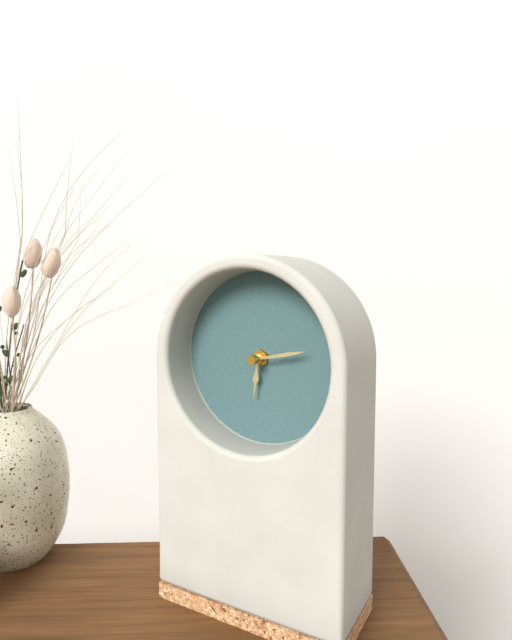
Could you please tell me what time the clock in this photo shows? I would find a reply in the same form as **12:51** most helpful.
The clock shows **6:13**
